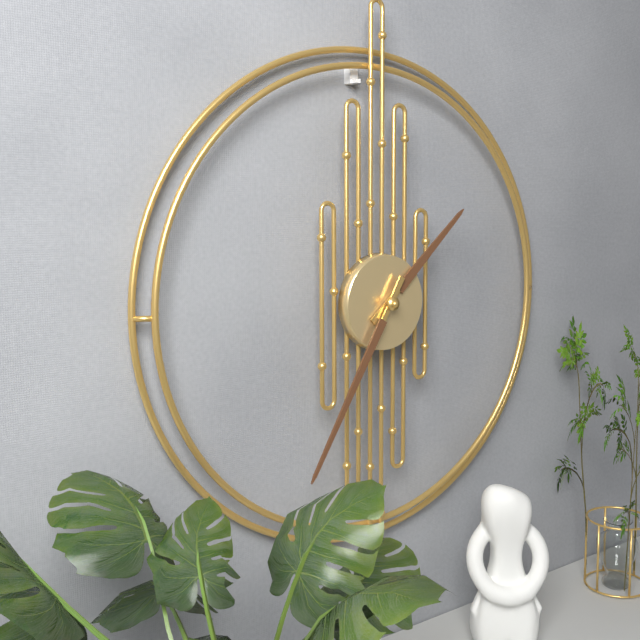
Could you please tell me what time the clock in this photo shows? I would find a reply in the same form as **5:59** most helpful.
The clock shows **1:35**
